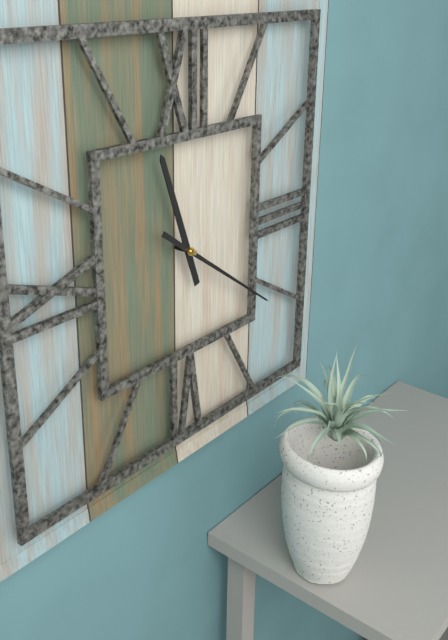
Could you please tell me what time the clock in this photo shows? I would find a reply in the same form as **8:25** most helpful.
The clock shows **11:21**
